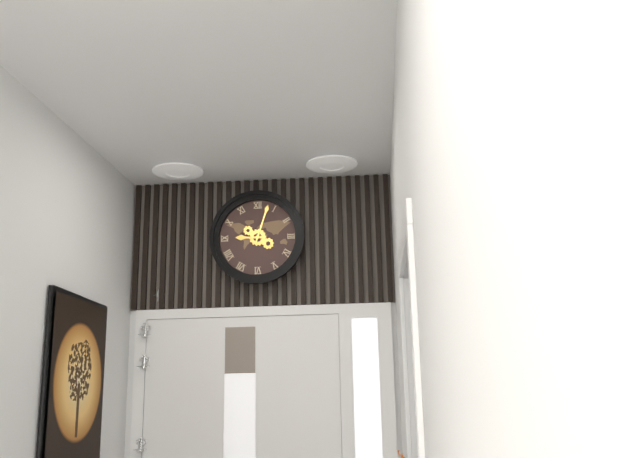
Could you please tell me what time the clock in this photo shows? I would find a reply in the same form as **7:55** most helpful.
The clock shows **9:03**
